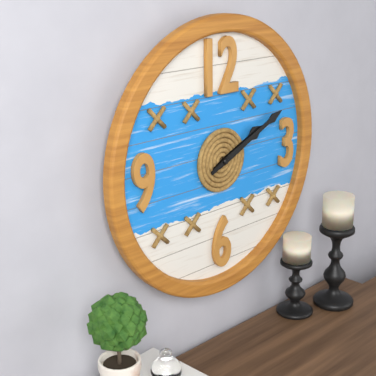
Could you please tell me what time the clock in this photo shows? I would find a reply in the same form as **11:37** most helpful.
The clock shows **2:11**
